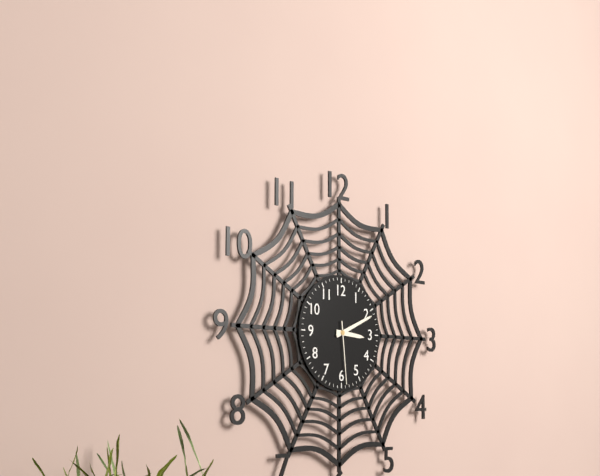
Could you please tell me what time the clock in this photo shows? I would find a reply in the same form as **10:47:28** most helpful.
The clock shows **3:11:29**
